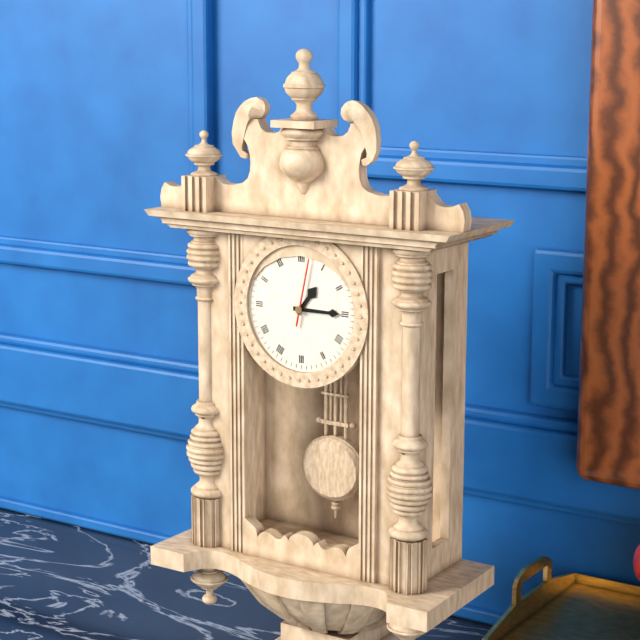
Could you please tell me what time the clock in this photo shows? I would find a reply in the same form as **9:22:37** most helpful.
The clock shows **1:15:02**
